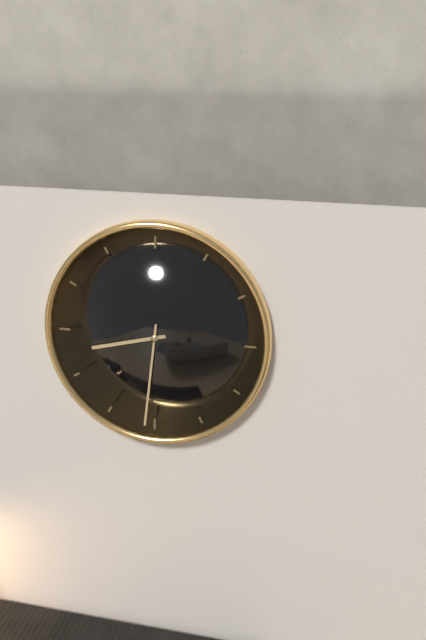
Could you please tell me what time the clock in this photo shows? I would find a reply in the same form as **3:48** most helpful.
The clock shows **8:31**
